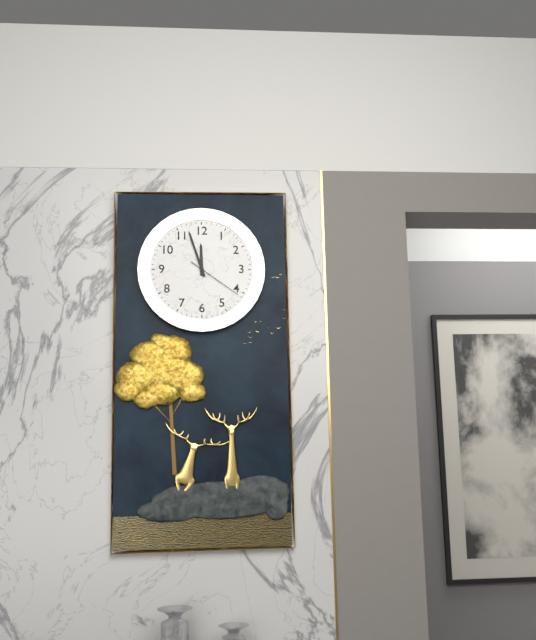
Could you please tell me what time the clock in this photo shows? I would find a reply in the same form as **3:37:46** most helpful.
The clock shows **11:57:21**
